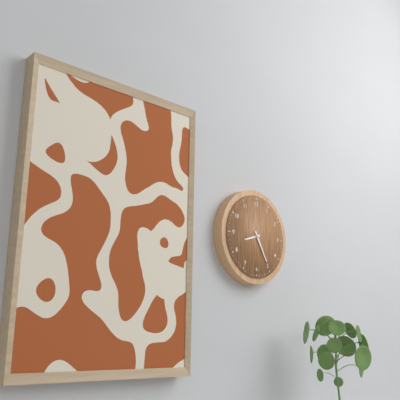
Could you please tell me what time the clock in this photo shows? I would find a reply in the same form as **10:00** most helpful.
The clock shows **8:25**
